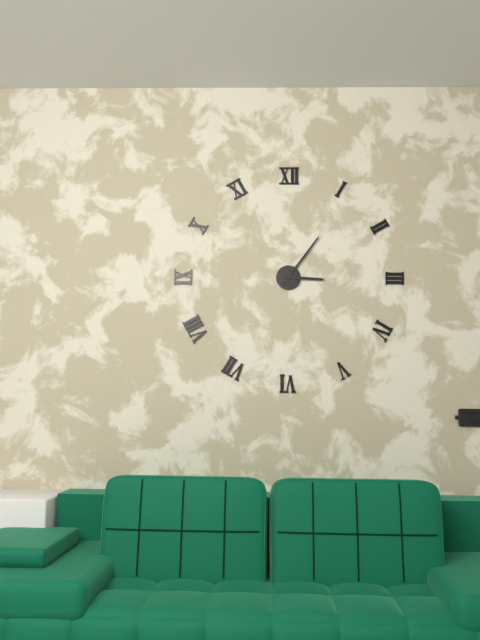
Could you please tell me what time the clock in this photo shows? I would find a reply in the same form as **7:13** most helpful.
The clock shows **3:06**
